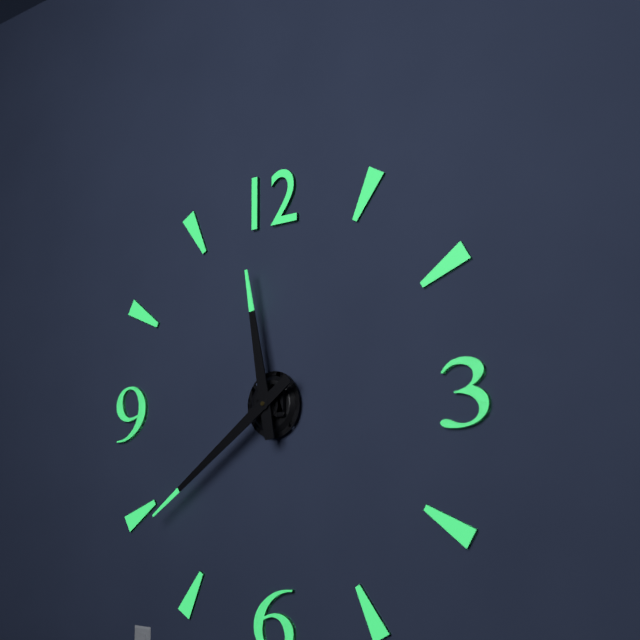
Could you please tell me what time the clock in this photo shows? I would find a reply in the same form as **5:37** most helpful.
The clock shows **11:39**
